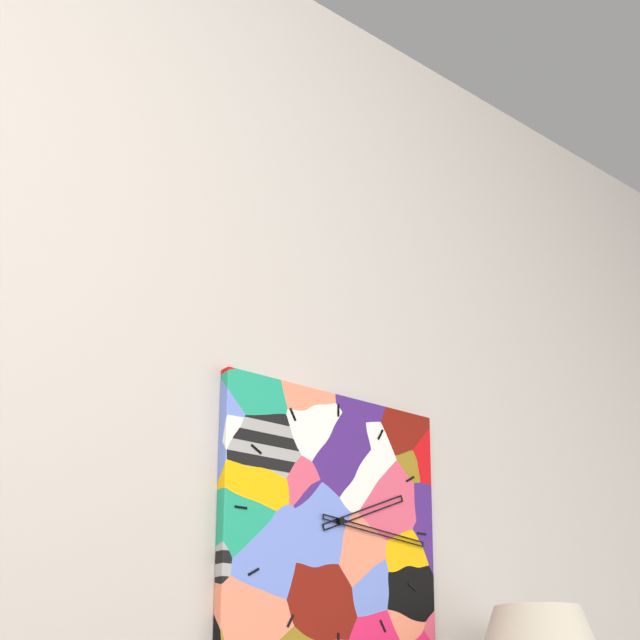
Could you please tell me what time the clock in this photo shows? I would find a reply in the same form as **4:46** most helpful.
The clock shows **2:16**
